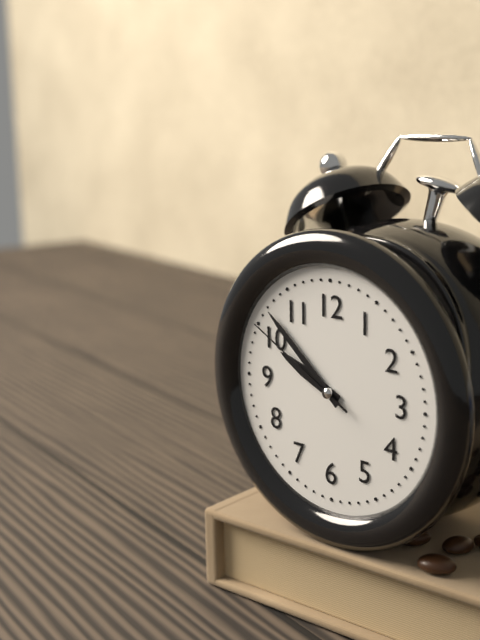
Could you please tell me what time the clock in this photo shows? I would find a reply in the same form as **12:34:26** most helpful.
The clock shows **9:52:50**
